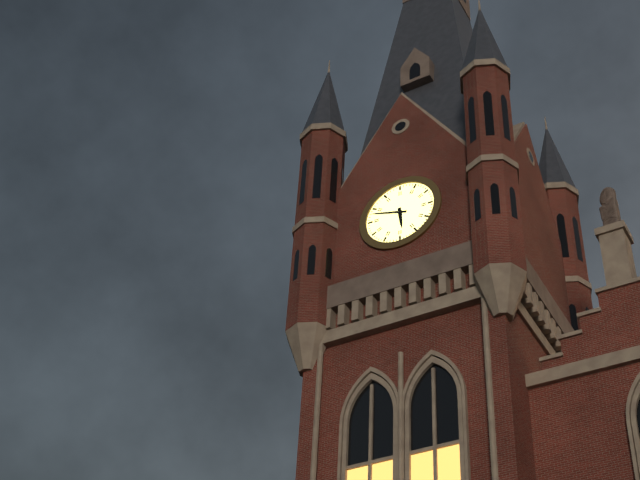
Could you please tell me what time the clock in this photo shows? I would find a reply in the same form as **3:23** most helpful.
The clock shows **5:48**
